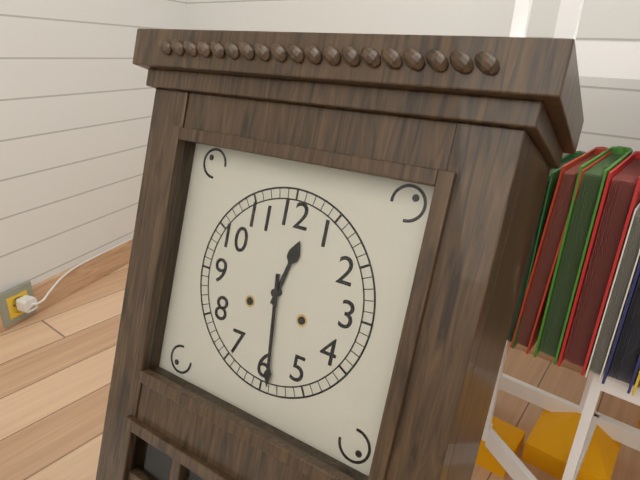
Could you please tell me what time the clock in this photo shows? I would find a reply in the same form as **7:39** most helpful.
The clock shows **12:29**
